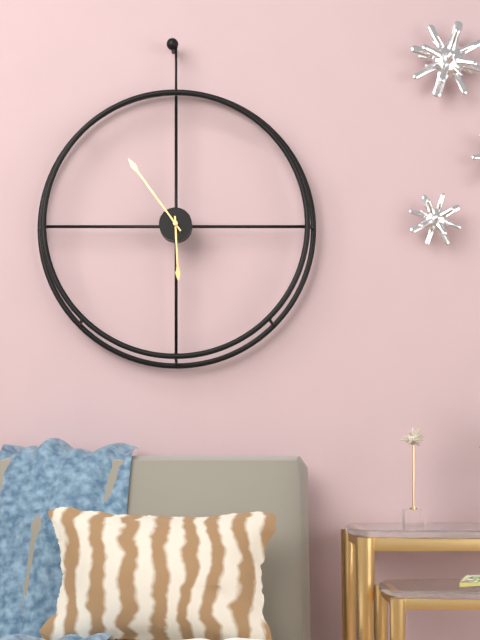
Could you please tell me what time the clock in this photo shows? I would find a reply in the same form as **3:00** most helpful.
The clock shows **5:54**
